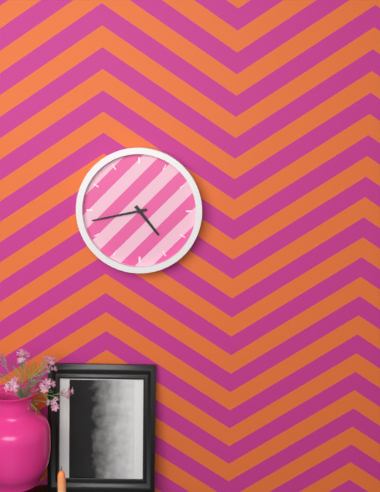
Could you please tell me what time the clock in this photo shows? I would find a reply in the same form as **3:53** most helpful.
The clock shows **4:43**
